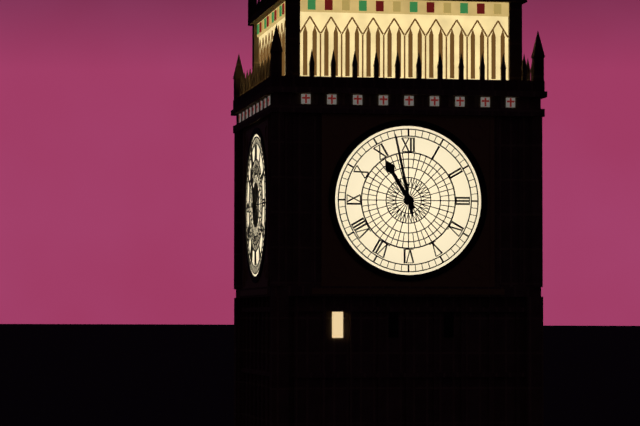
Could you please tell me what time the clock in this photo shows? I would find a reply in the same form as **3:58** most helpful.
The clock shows **10:58**
